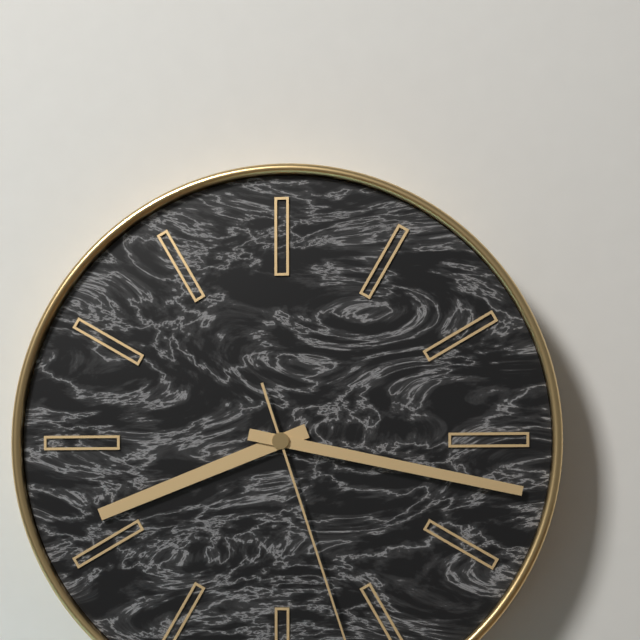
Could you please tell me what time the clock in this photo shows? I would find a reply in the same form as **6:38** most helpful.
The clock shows **8:17**
